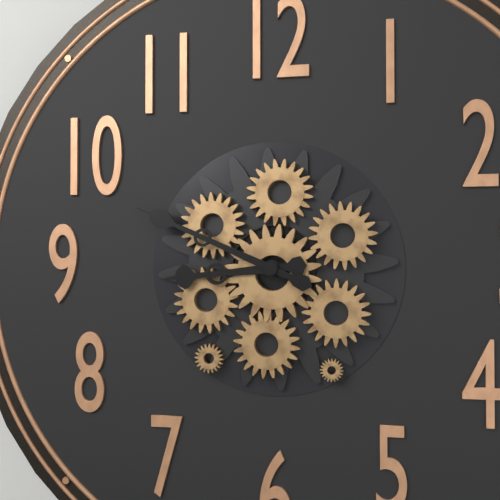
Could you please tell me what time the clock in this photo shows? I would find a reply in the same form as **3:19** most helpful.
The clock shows **8:49**
